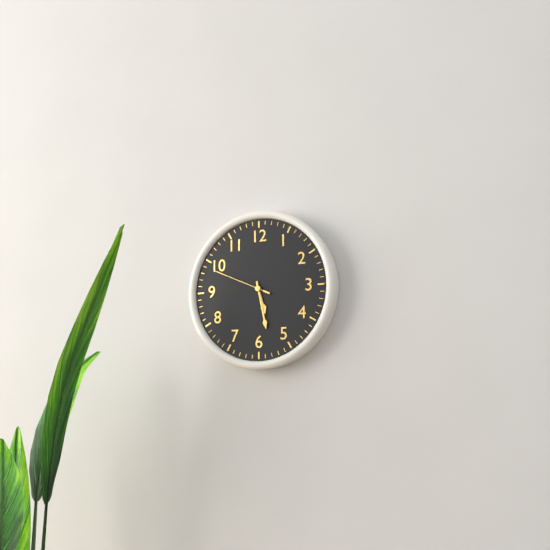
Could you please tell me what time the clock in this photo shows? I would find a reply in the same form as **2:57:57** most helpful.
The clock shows **5:28:49**
